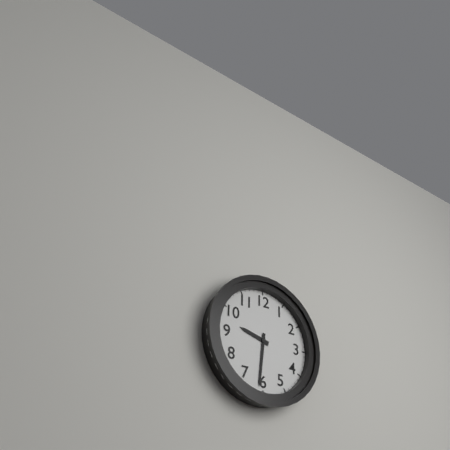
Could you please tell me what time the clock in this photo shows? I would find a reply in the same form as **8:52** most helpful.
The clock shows **9:31**
